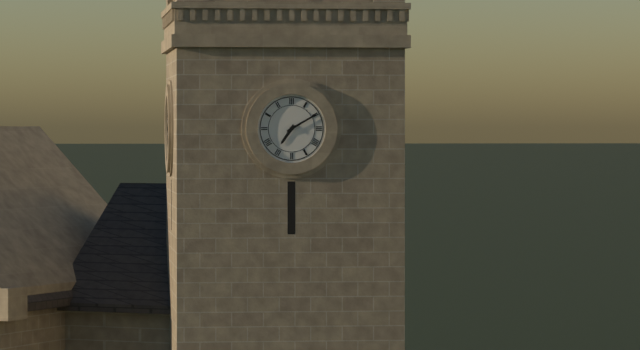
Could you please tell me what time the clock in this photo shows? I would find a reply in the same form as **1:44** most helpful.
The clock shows **7:10**
